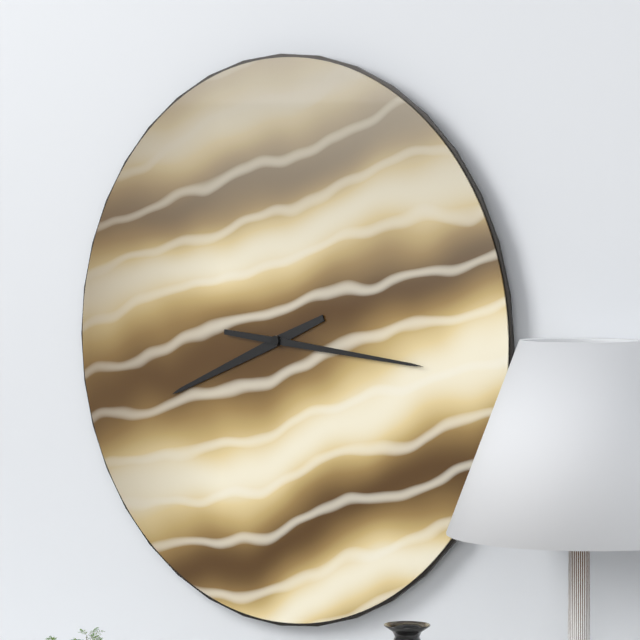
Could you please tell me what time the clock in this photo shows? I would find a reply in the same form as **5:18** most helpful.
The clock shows **8:16**
